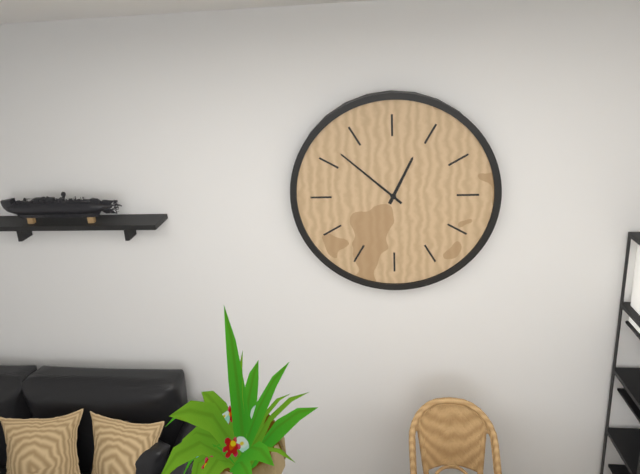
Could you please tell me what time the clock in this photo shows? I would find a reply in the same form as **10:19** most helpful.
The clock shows **12:52**
